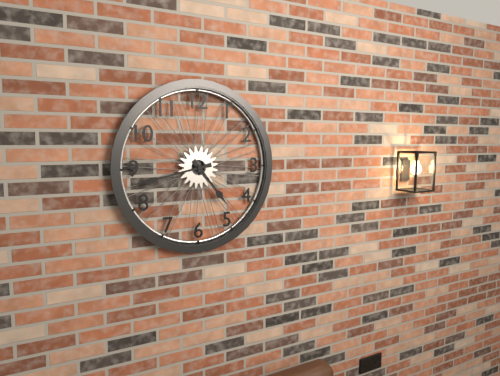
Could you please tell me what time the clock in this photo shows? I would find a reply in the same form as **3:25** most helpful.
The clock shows **4:43**
